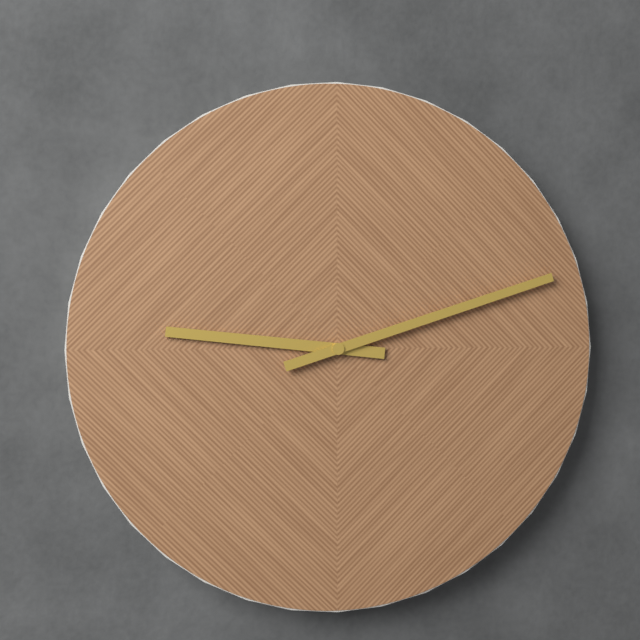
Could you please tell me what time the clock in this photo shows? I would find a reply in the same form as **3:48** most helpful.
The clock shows **9:12**
